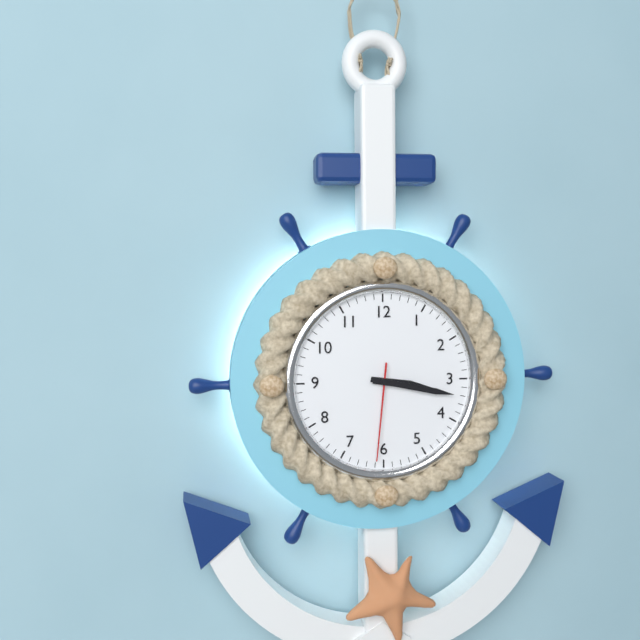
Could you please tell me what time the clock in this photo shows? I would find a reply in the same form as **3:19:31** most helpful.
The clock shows **3:17:31**
